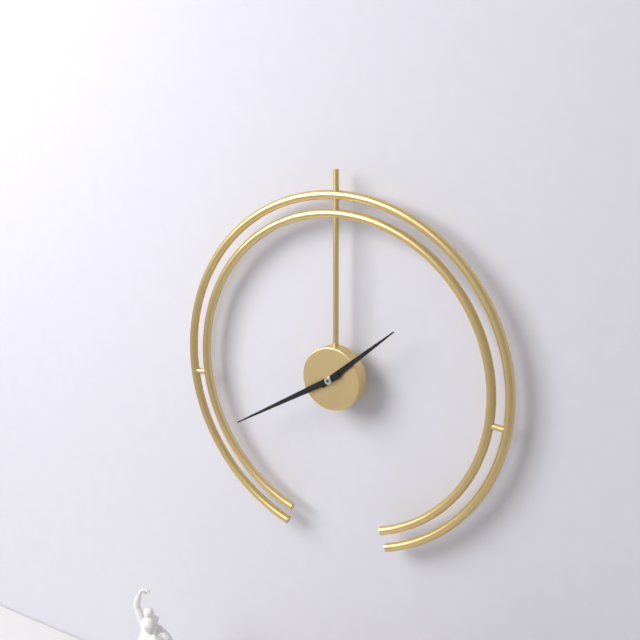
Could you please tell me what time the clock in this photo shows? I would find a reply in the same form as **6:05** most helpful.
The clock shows **1:40**
